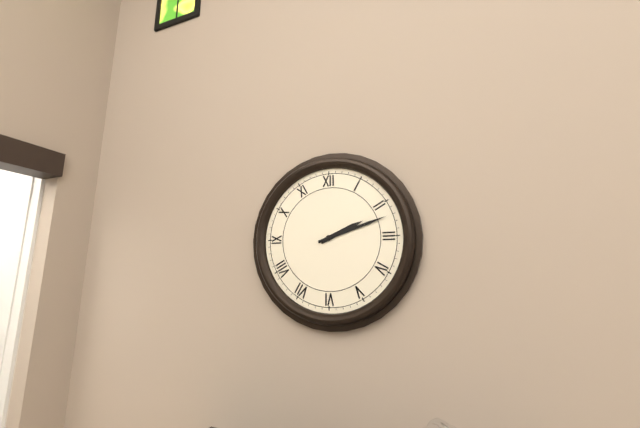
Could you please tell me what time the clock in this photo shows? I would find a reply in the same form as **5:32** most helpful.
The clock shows **2:12**
